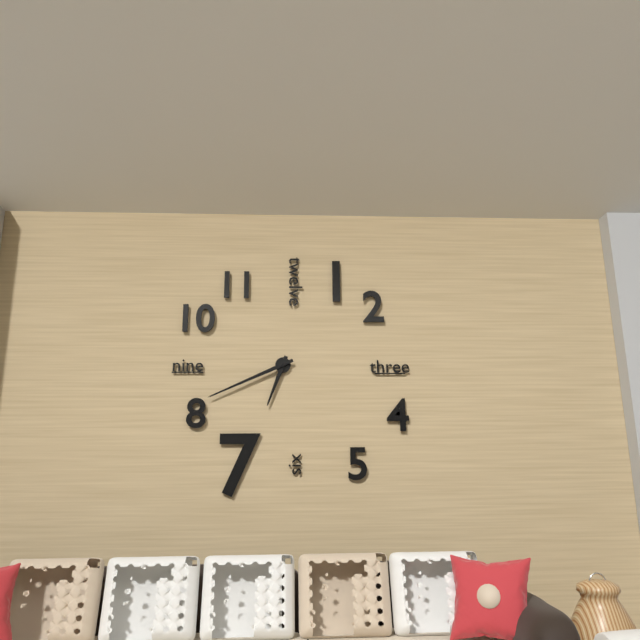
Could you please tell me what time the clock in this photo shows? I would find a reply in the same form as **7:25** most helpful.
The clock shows **6:41**
